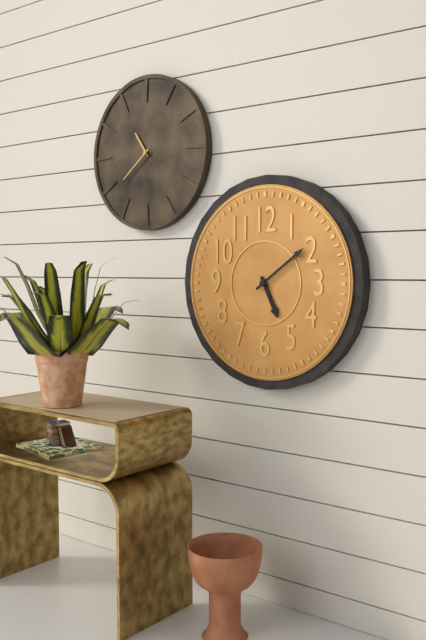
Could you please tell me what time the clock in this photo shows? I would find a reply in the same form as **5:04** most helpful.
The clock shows **5:09**
